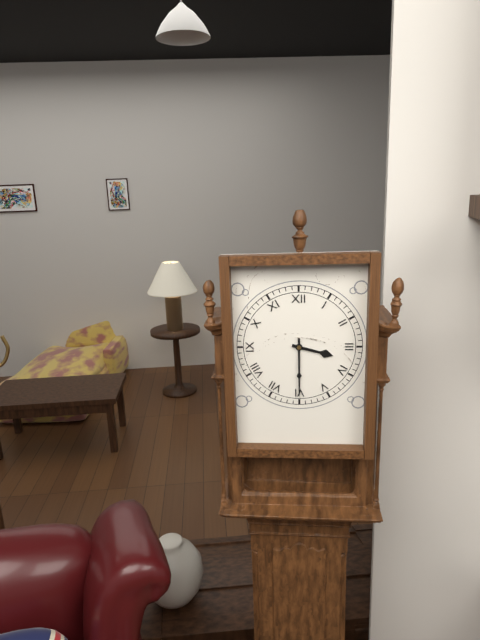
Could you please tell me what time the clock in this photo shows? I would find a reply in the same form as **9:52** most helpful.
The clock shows **3:30**
